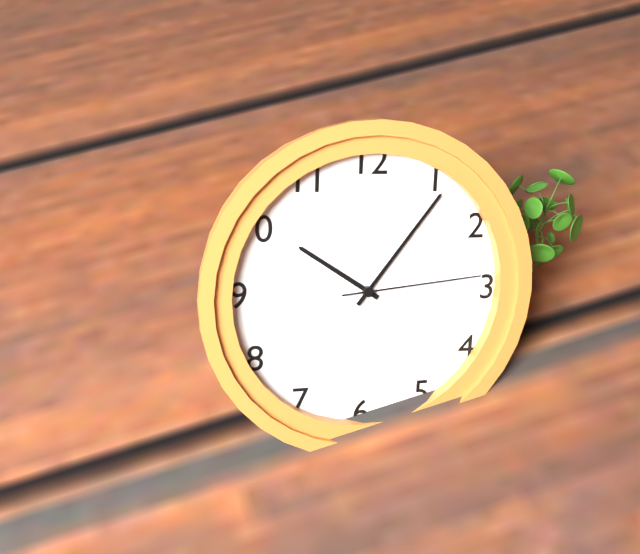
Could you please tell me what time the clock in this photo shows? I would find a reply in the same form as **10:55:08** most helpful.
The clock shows **10:06:14**
